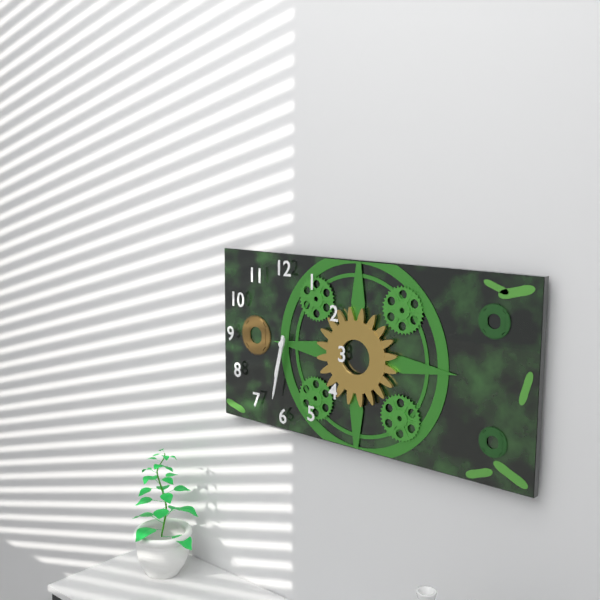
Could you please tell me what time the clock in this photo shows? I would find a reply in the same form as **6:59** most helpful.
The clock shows **6:32**
